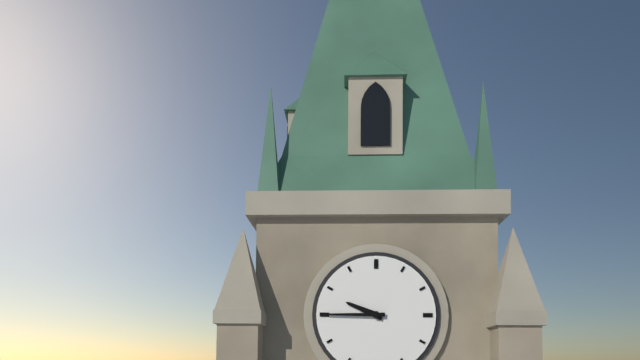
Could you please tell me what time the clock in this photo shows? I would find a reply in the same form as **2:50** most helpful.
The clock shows **9:45**
